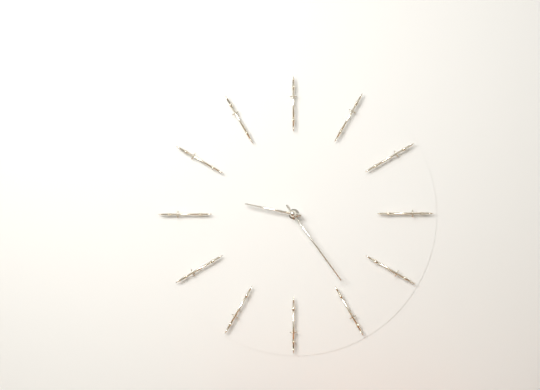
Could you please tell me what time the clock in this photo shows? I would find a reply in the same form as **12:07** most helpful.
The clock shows **9:24**
